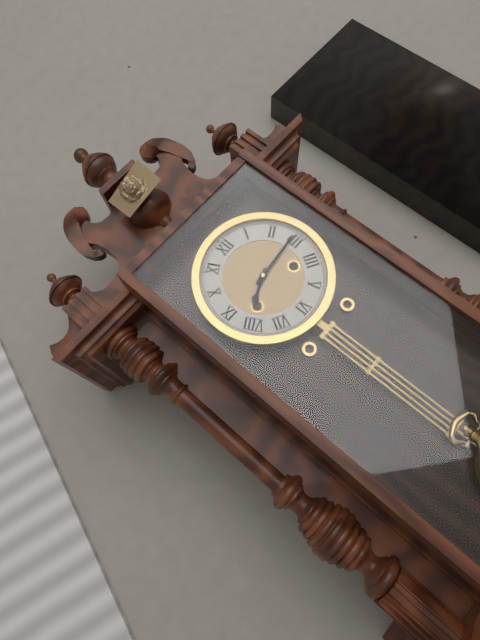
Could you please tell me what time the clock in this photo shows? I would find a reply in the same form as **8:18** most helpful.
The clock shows **8:14**
